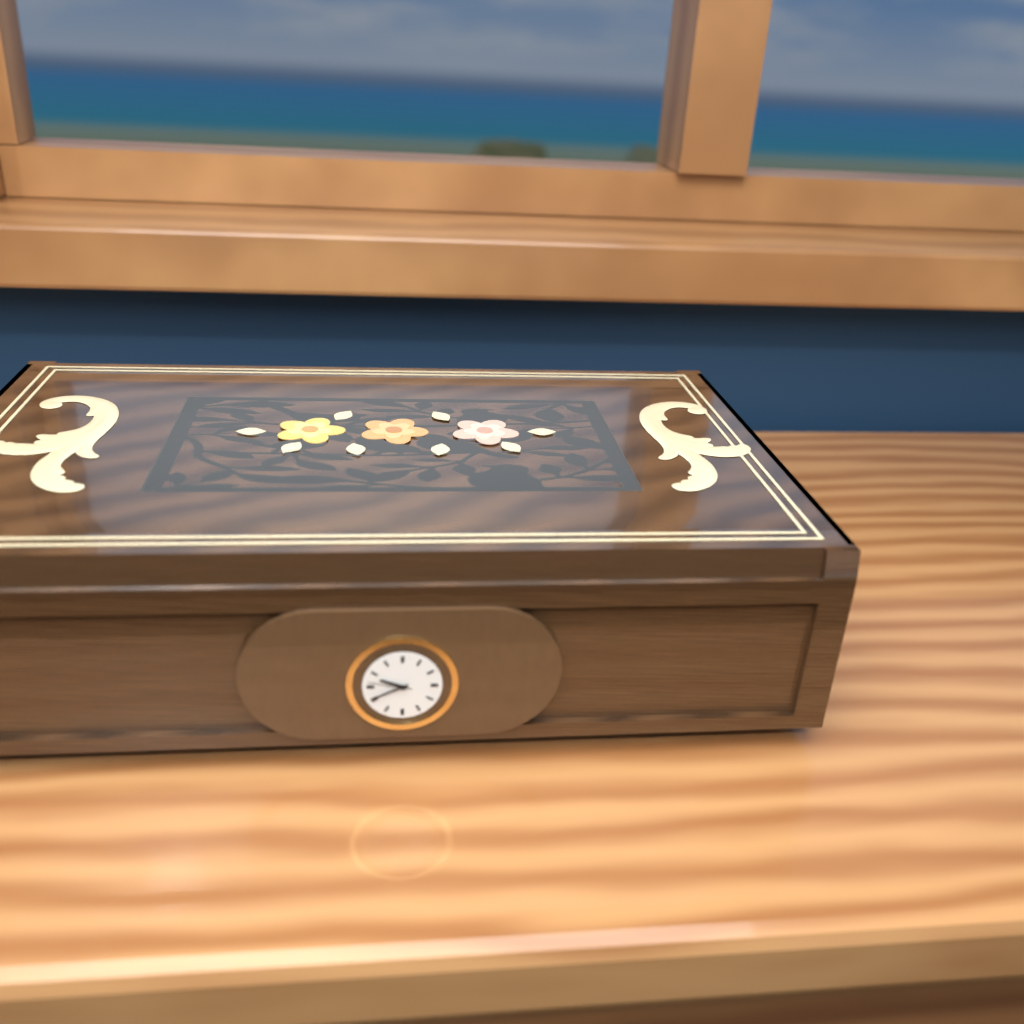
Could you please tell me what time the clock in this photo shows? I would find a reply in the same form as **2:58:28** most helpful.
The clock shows **9:41:47**
